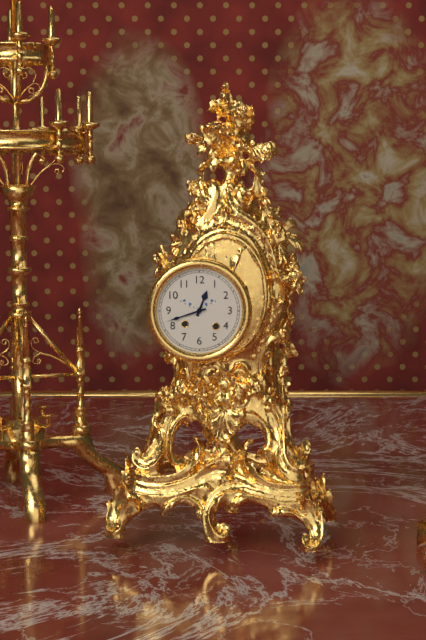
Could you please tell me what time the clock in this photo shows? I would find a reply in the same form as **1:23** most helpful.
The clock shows **12:42**
